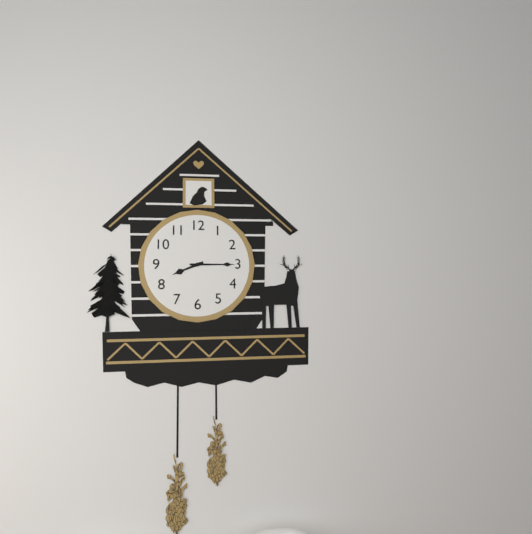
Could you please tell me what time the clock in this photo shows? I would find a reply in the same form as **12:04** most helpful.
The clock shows **8:15**
